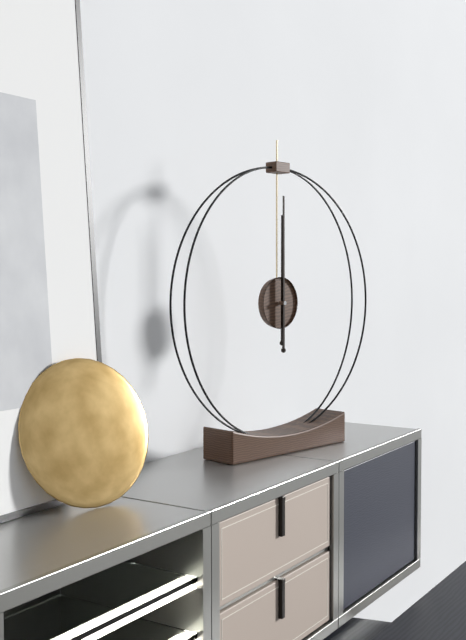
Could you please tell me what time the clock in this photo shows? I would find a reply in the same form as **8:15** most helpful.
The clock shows **12:00**
